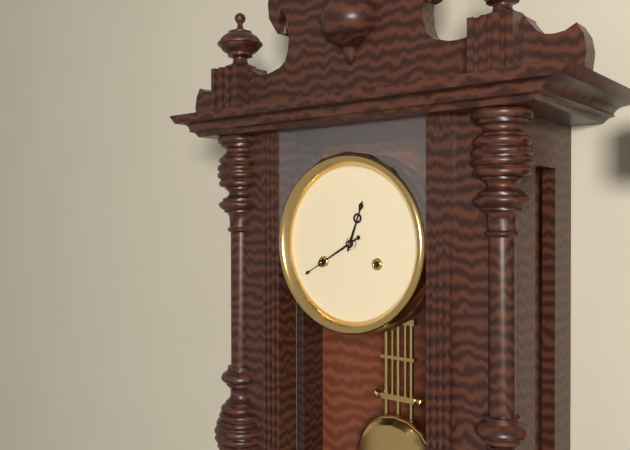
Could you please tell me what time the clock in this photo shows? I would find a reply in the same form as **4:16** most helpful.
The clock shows **12:40**
